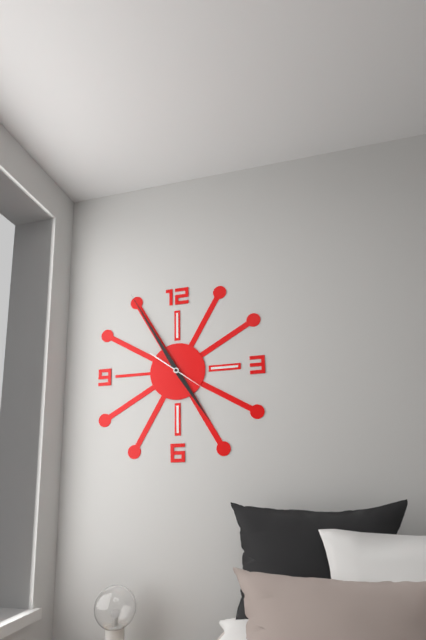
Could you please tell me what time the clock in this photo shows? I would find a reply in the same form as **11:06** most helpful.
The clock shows **4:55**
